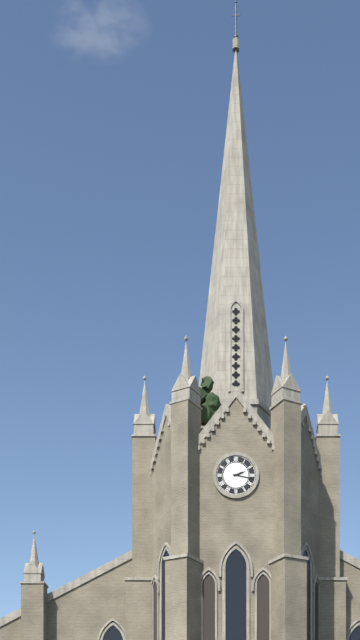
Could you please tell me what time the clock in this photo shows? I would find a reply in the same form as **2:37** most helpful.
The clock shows **2:17**
